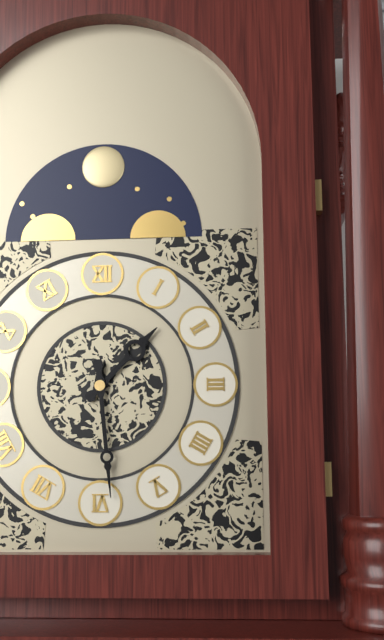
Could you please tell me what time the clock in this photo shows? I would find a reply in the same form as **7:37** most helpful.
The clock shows **1:29**
